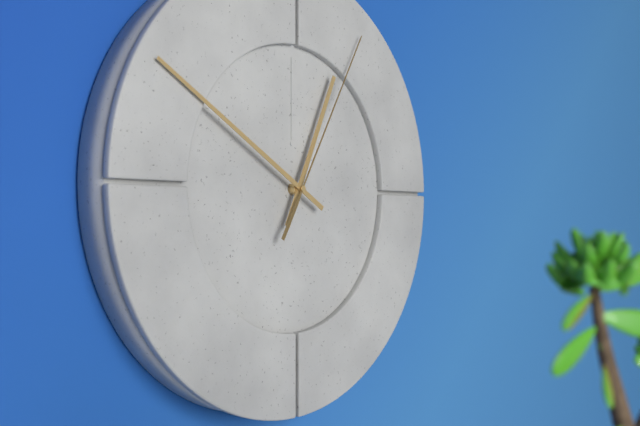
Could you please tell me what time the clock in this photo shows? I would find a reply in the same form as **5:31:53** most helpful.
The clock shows **12:50:05**
